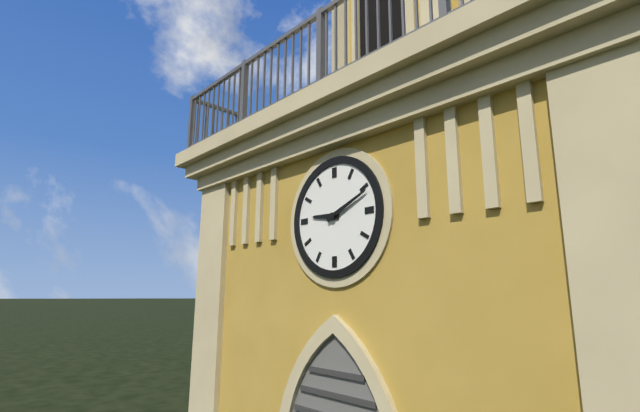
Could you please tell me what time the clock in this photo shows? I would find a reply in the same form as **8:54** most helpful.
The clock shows **9:11**
